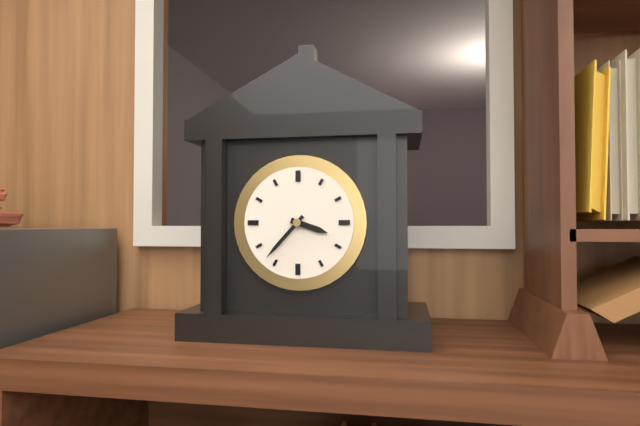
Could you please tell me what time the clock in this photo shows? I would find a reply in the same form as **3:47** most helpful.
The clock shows **3:37**
